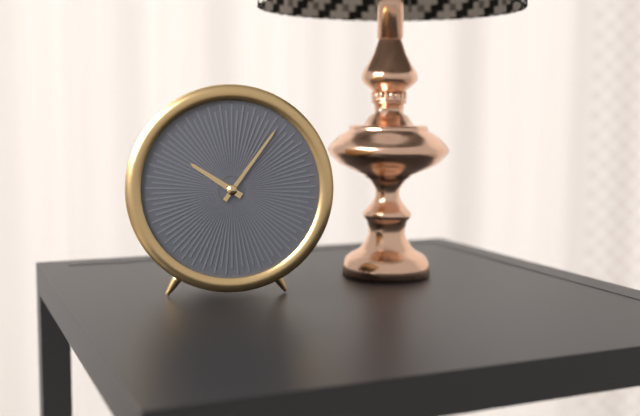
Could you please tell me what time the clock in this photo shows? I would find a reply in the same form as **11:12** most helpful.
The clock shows **10:06**
